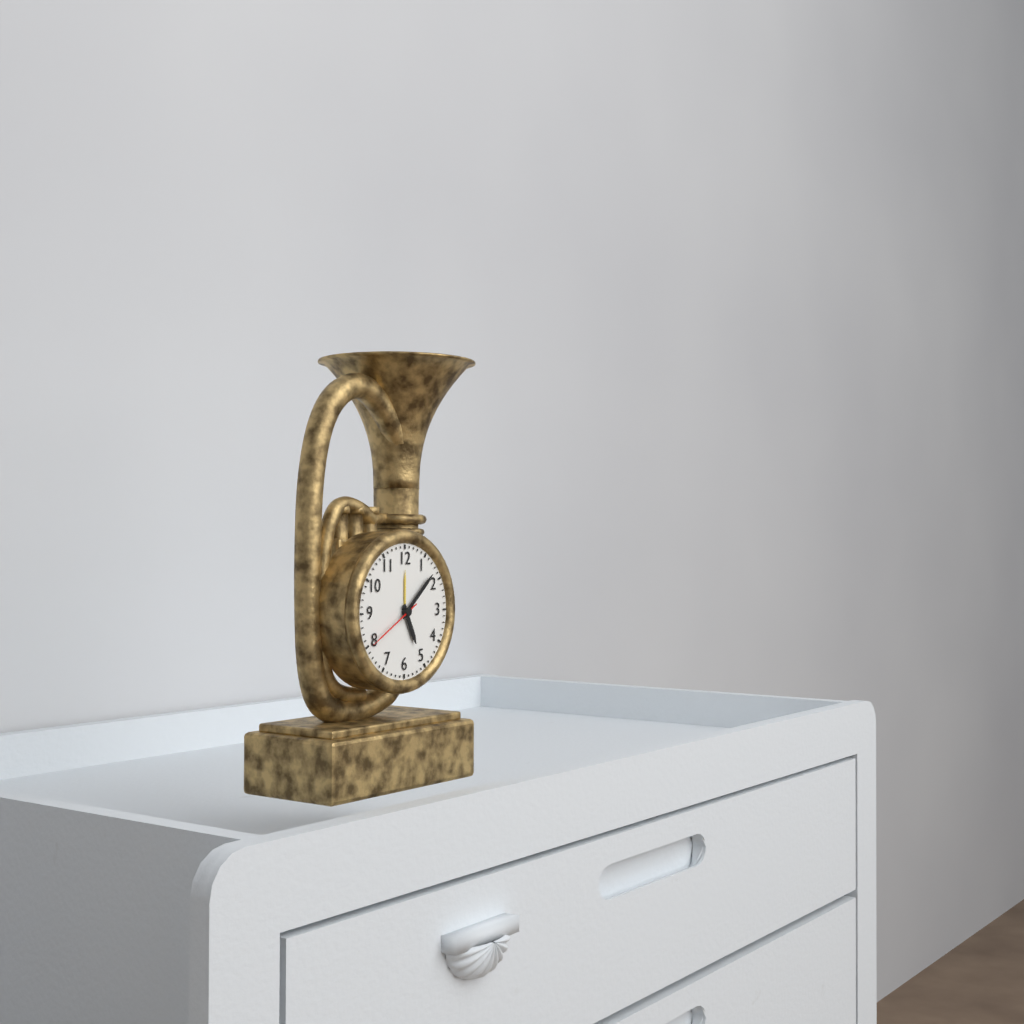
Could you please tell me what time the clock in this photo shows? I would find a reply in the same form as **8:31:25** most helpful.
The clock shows **5:08:40**
